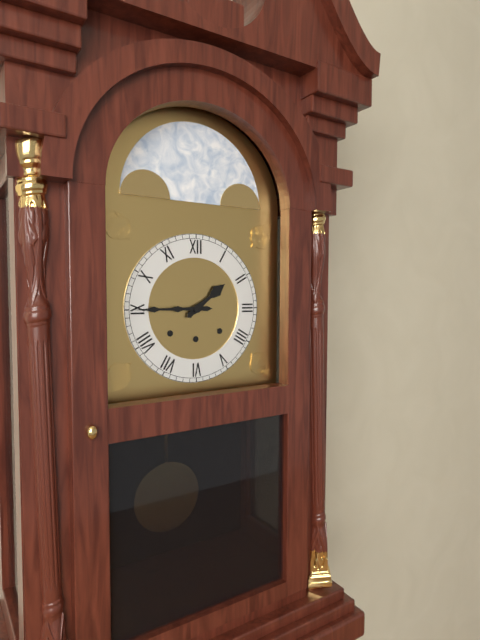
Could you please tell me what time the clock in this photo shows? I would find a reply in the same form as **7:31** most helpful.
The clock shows **1:45**
